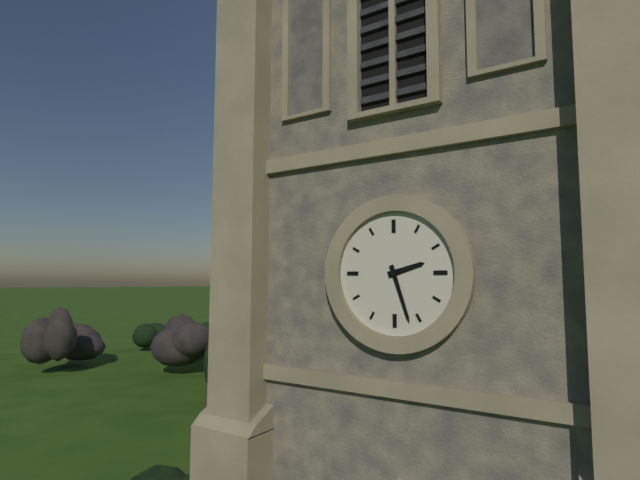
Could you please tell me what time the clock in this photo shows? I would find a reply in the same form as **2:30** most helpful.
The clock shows **2:27**
